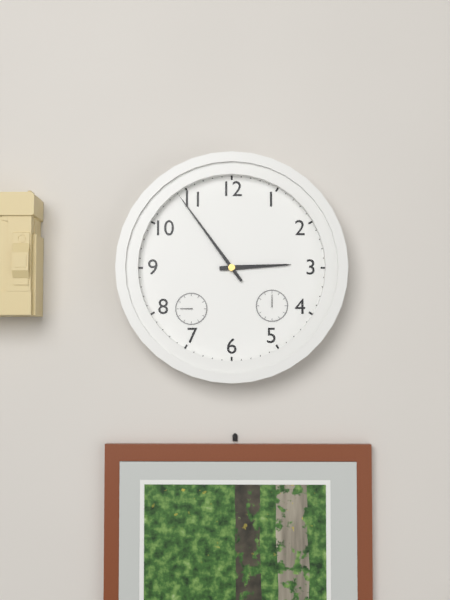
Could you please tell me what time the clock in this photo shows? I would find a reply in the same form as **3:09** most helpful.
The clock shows **2:54**
